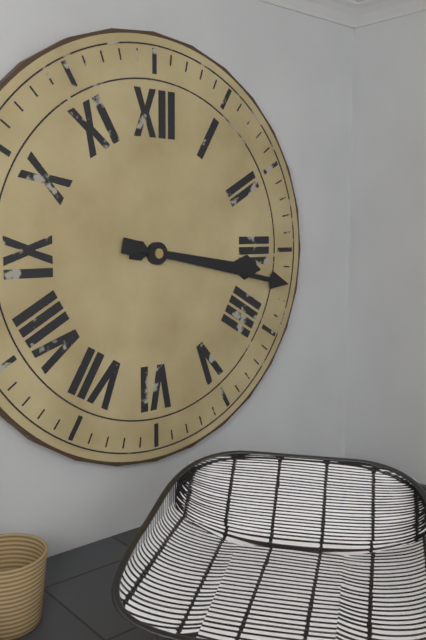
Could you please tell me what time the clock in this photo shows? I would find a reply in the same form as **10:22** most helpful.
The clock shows **3:17**
